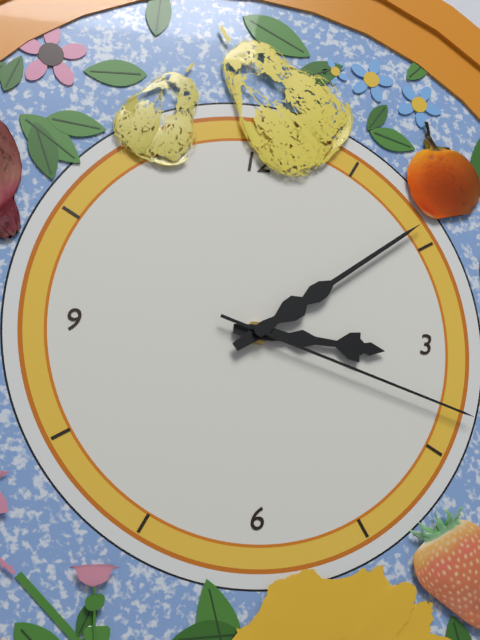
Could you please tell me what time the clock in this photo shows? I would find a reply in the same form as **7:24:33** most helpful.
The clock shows **3:09:18**
